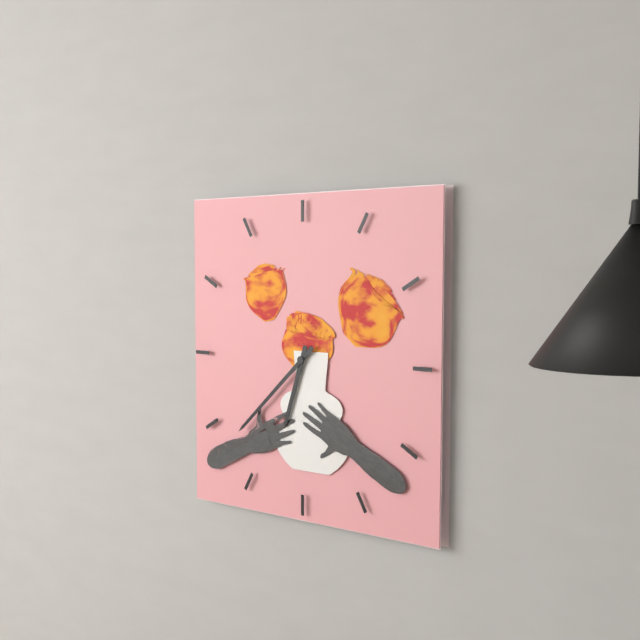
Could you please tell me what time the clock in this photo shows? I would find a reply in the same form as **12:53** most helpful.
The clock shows **6:38**
